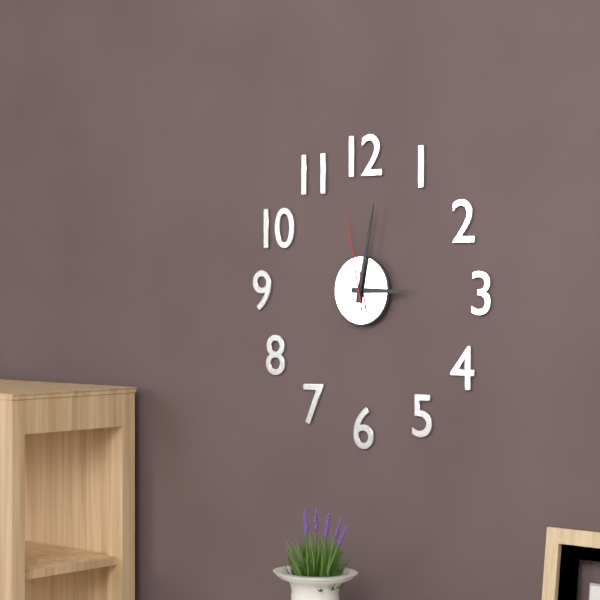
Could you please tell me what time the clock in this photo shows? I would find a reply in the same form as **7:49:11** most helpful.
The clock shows **3:02:58**
